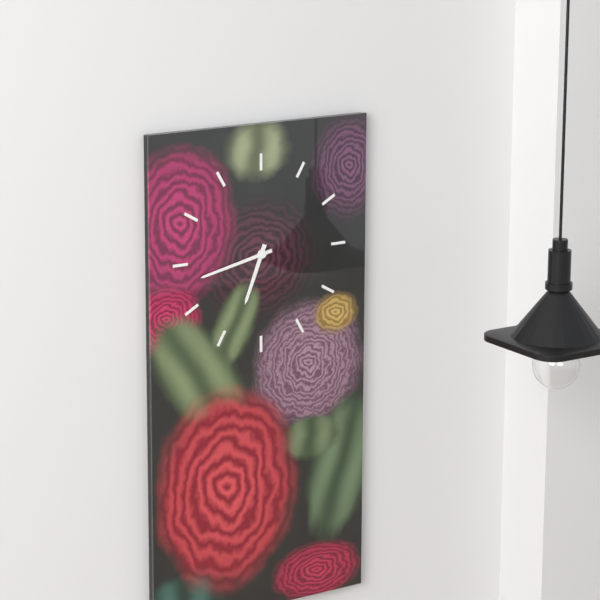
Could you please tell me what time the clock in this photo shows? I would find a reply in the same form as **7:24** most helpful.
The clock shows **6:43**
